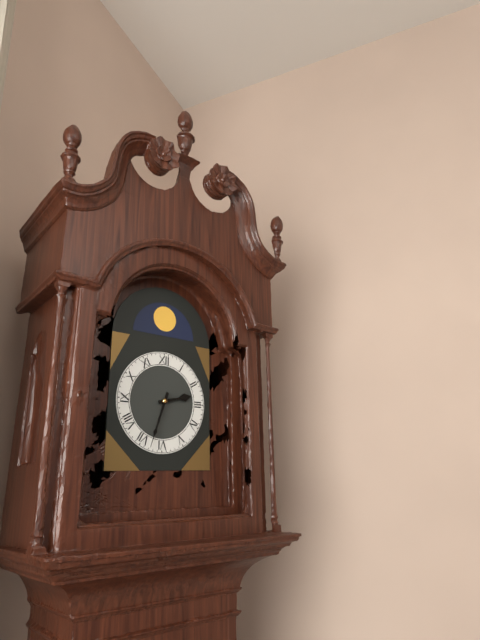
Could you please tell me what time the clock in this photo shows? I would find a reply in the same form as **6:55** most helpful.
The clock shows **2:33**
